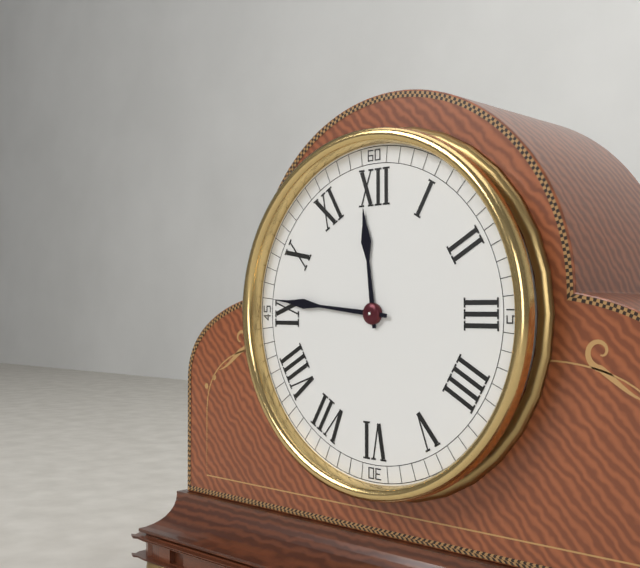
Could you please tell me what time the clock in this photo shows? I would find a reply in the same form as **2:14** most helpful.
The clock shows **11:46**
